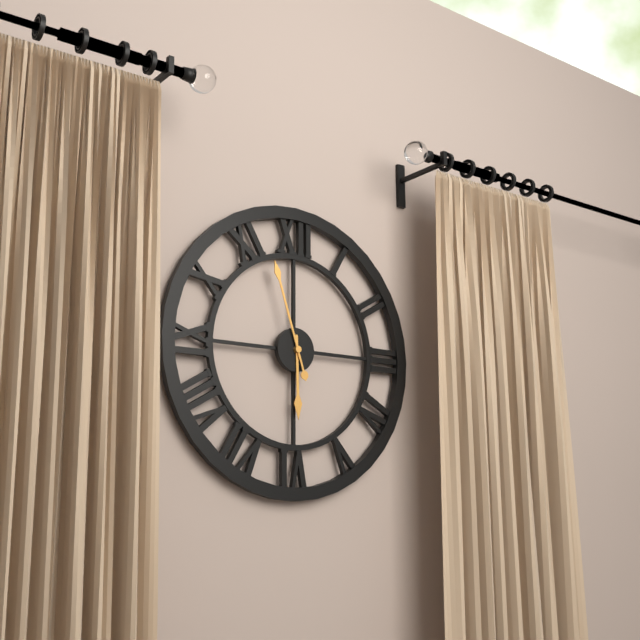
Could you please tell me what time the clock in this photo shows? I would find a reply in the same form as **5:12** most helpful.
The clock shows **5:57**
